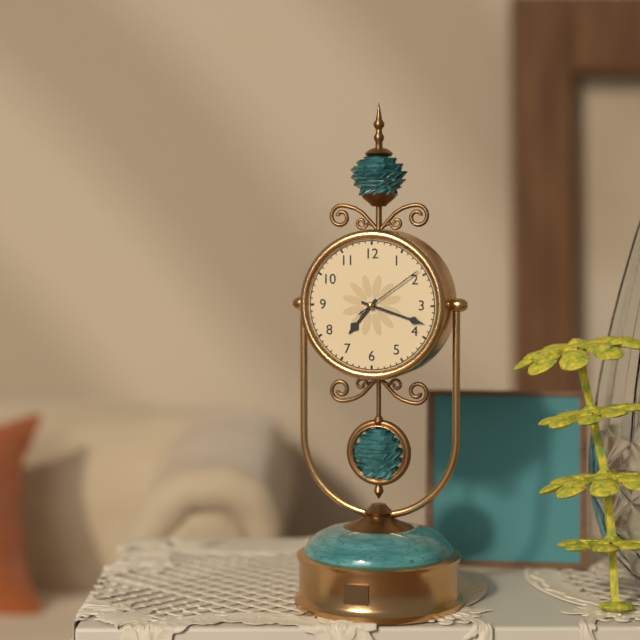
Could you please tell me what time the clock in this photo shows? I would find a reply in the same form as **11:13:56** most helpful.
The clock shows **7:18:09**
